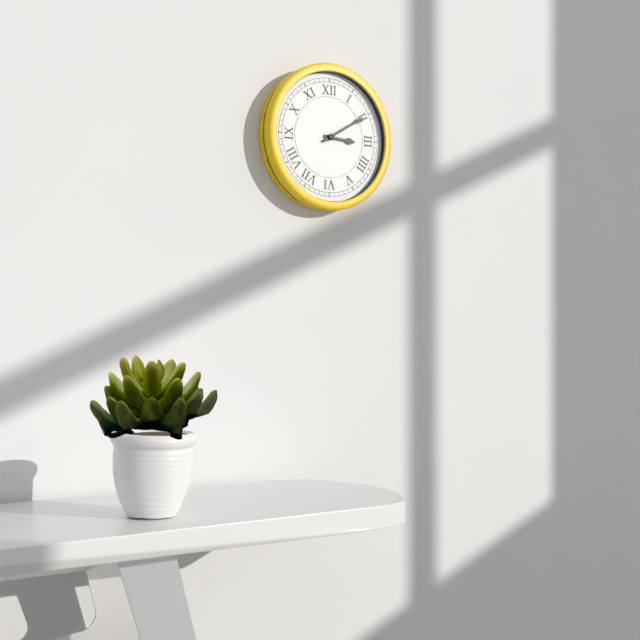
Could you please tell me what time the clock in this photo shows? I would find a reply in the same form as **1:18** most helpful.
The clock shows **3:10**
